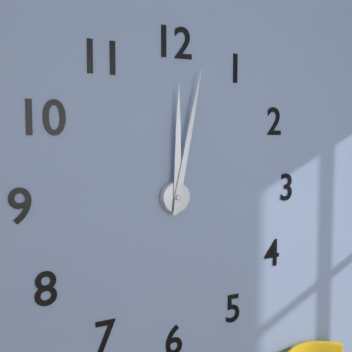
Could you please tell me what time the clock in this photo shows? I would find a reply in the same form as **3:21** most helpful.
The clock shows **12:02**
